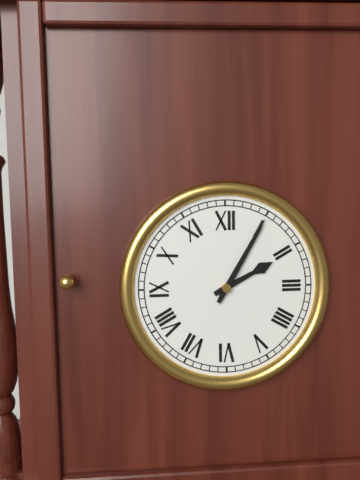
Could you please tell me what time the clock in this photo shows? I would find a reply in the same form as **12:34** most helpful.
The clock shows **2:05**
